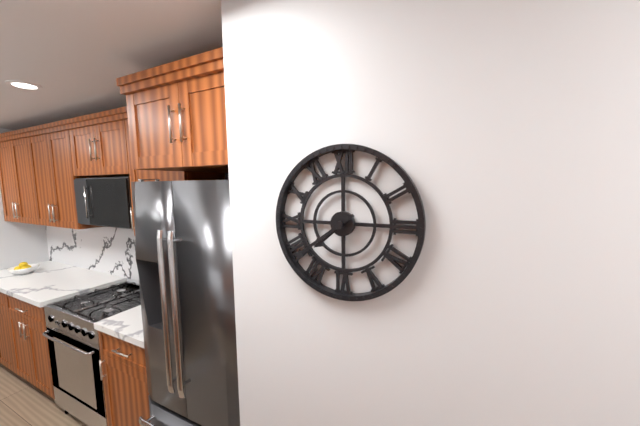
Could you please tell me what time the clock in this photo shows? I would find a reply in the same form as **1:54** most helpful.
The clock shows **7:39**
